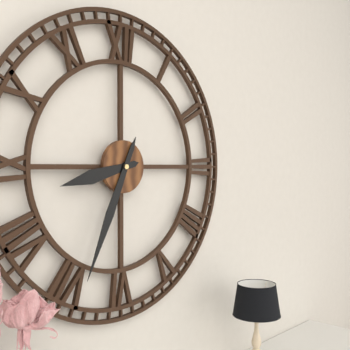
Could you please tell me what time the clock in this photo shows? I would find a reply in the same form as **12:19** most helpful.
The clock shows **8:34**
